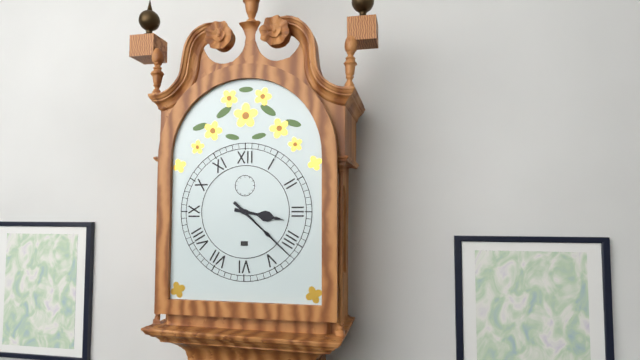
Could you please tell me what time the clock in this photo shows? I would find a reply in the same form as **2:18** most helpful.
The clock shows **3:22**
